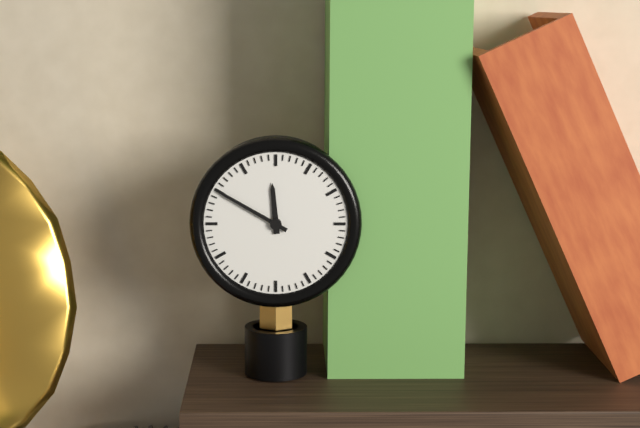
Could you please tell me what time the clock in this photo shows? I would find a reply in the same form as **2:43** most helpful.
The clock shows **11:50**
